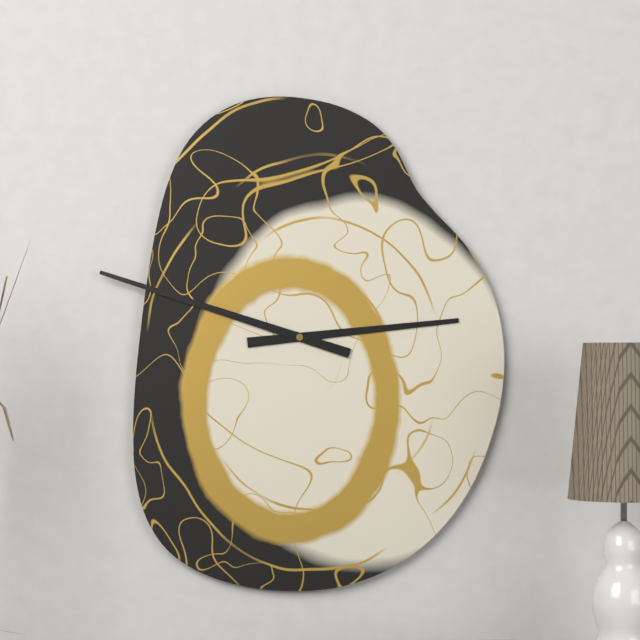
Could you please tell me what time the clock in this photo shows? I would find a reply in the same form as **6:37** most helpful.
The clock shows **2:48**
